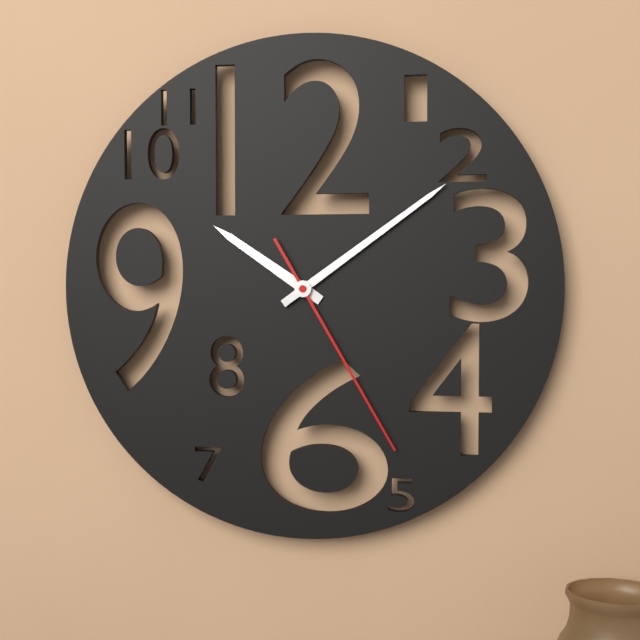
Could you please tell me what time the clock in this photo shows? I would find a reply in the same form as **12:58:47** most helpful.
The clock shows **10:09:25**
